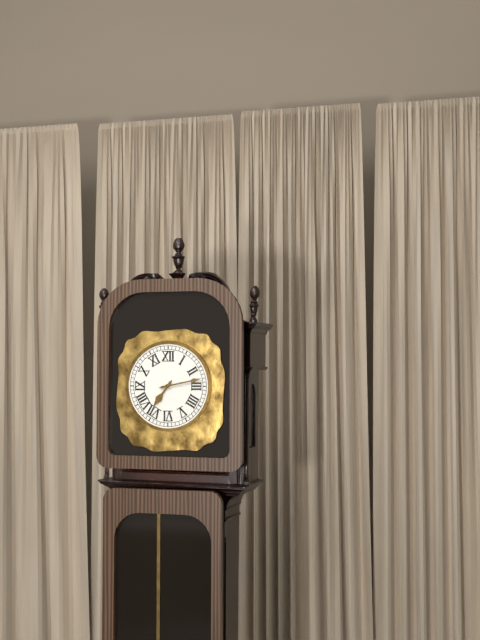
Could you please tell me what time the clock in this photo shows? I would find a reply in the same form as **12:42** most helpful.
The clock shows **7:13**
